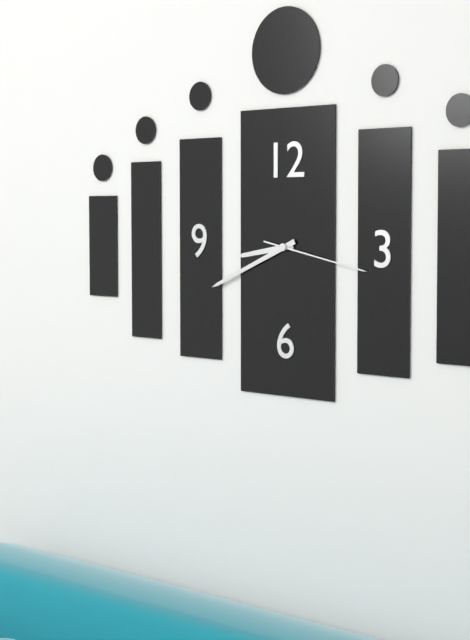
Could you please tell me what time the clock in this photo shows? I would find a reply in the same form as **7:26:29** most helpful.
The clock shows **8:41:17**
